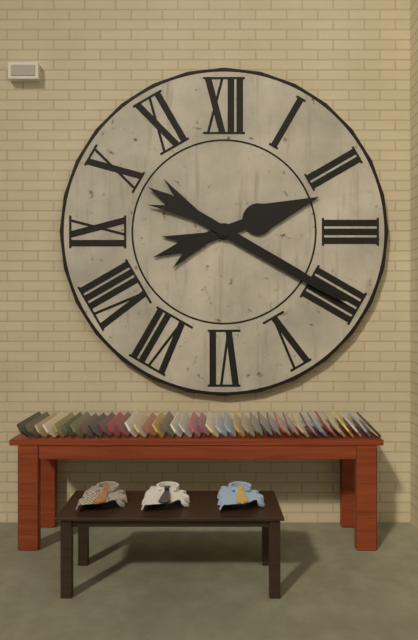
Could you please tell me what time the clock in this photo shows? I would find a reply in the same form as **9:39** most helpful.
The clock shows **2:20**
